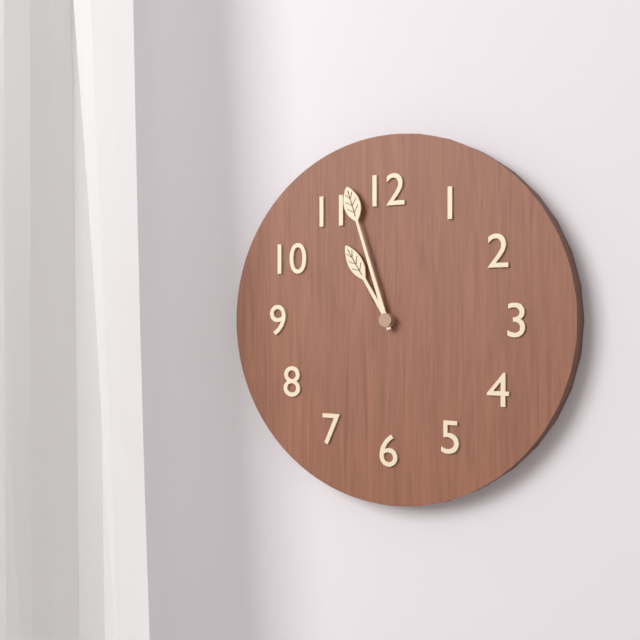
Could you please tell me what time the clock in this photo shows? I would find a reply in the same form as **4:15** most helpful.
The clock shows **10:57**
